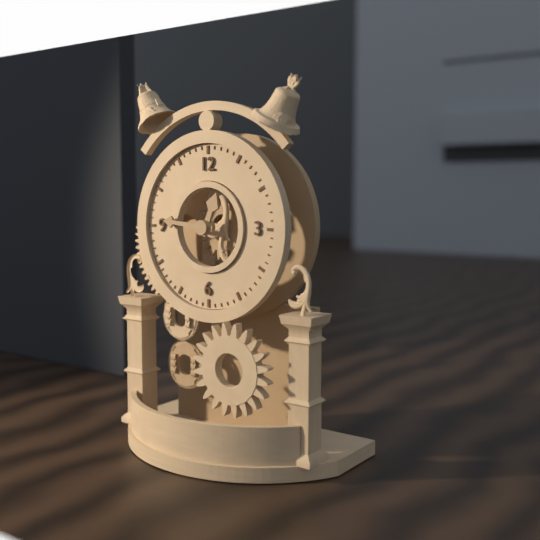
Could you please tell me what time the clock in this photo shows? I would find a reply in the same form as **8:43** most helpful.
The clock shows **12:46**
